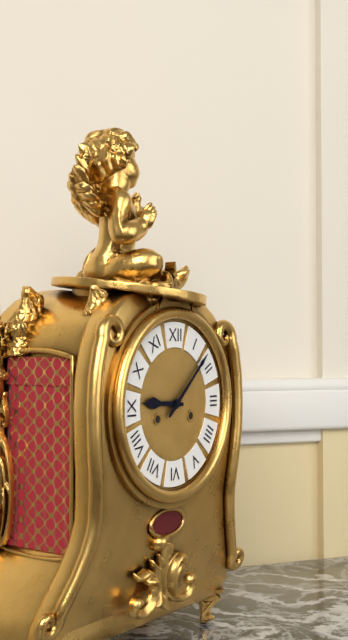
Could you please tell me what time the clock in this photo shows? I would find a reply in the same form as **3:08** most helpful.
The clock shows **9:08**
